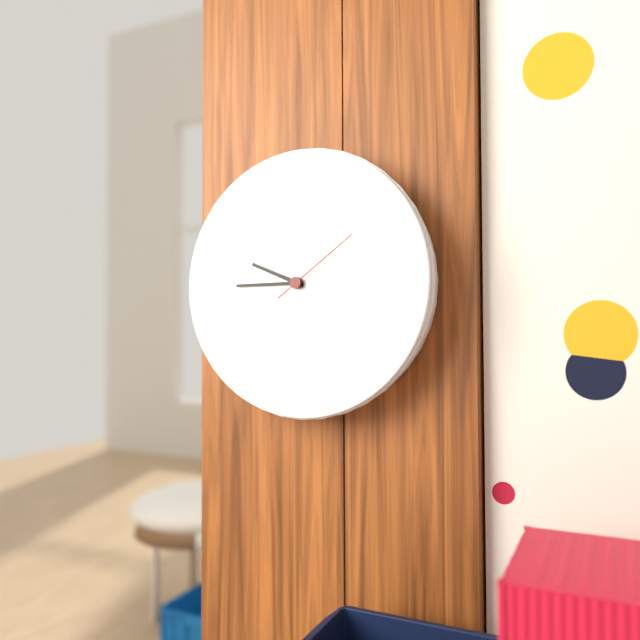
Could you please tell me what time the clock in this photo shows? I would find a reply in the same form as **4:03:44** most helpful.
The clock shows **9:45:09**
